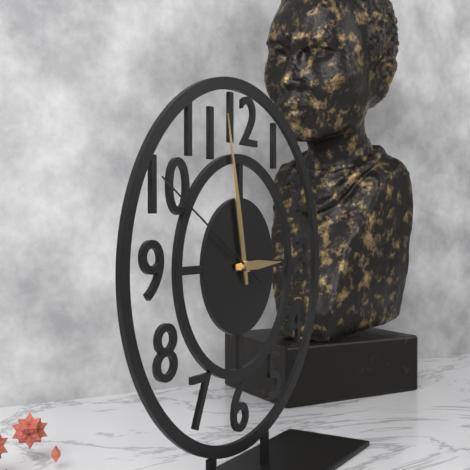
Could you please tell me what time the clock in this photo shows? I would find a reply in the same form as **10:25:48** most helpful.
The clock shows **2:58:50**
